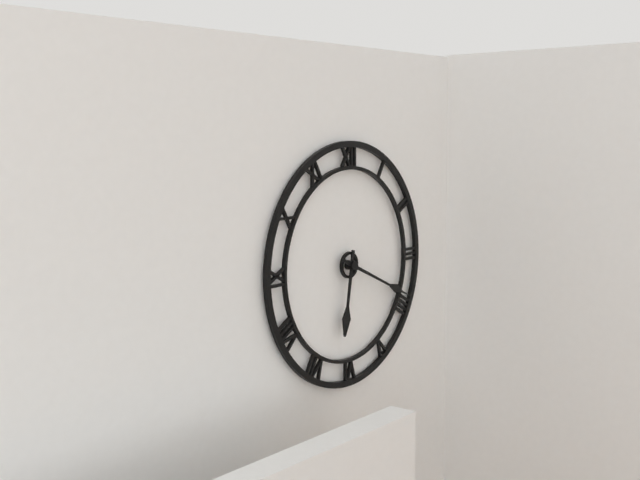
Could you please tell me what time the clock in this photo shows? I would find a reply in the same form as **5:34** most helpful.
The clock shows **6:19**
